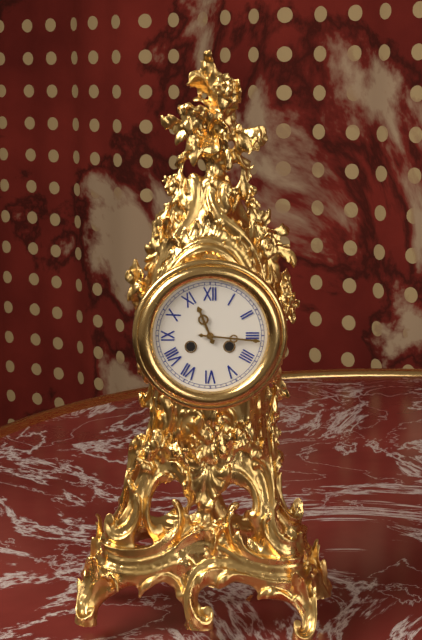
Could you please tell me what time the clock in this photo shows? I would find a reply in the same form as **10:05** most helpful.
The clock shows **11:16**
